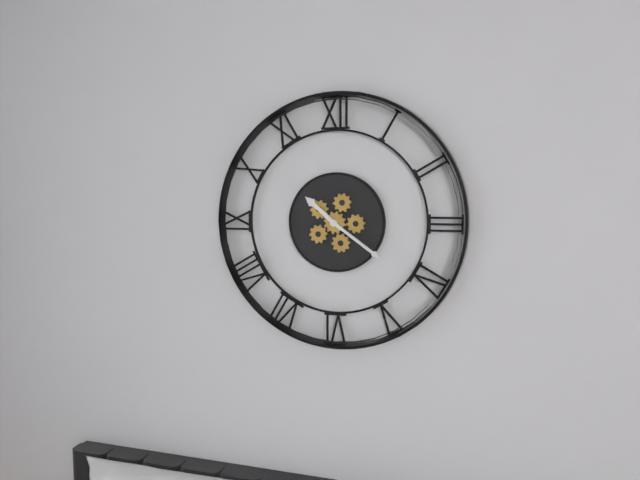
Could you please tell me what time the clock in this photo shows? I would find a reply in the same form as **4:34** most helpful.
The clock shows **10:21**
